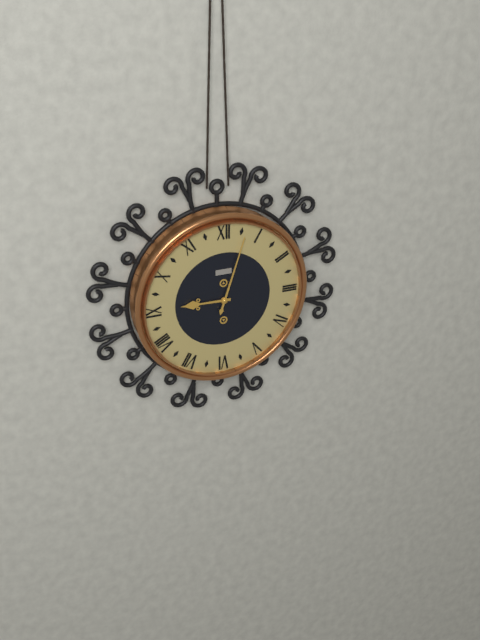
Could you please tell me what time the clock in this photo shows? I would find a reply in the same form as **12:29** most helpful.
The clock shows **9:03**
